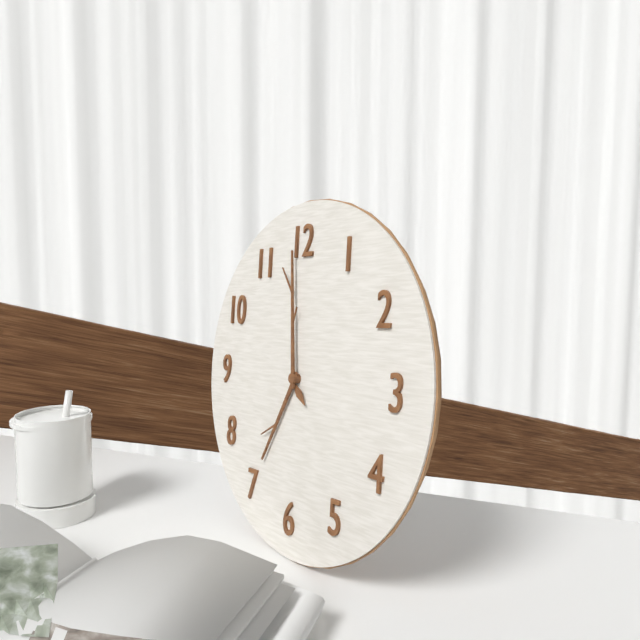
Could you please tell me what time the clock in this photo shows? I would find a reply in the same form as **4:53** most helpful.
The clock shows **6:59**
